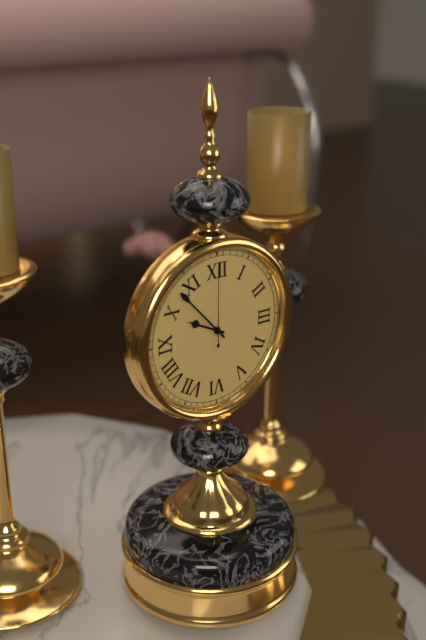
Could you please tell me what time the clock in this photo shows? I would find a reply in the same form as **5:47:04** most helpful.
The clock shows **9:53:00**
